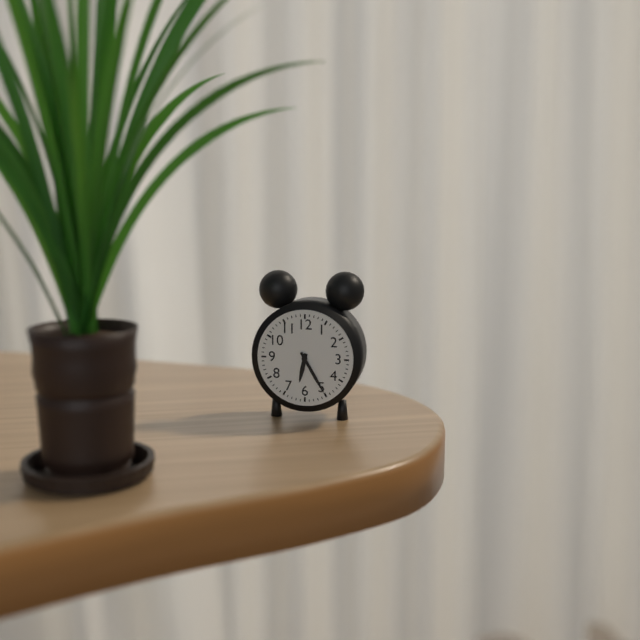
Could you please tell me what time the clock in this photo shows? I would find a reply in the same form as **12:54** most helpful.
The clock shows **6:25**
